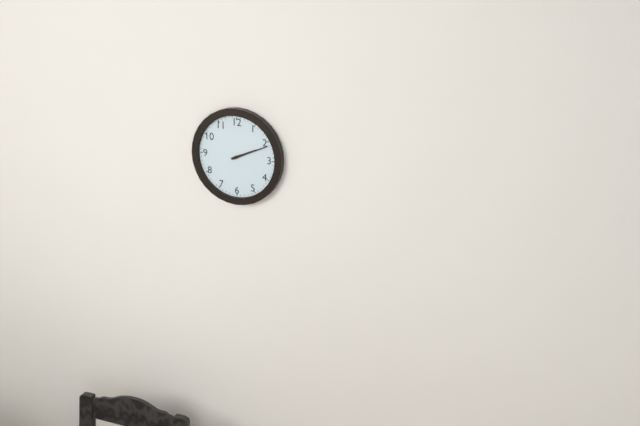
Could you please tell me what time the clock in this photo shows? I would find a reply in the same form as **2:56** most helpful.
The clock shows **2:11**
